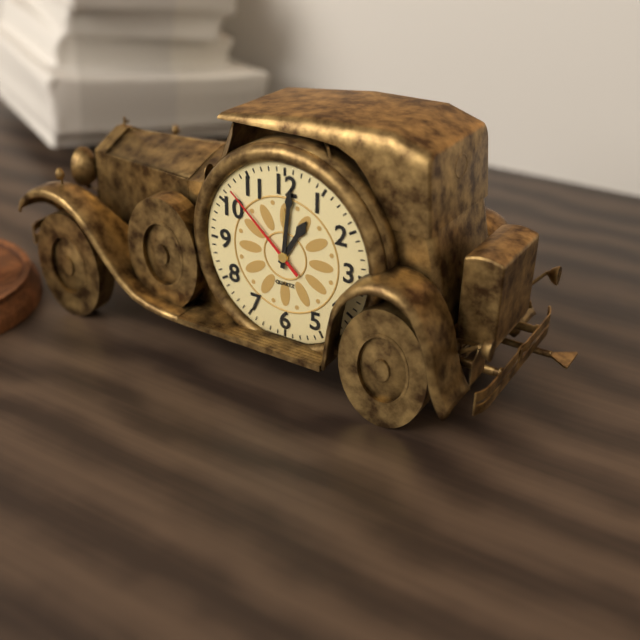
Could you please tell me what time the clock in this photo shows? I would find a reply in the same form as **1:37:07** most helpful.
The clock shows **1:01:52**
